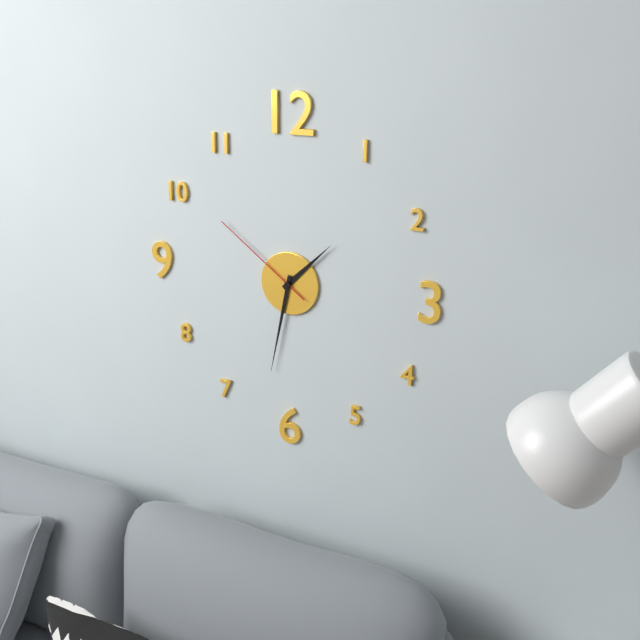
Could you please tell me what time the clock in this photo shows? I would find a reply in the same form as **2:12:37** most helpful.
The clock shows **1:32:51**
